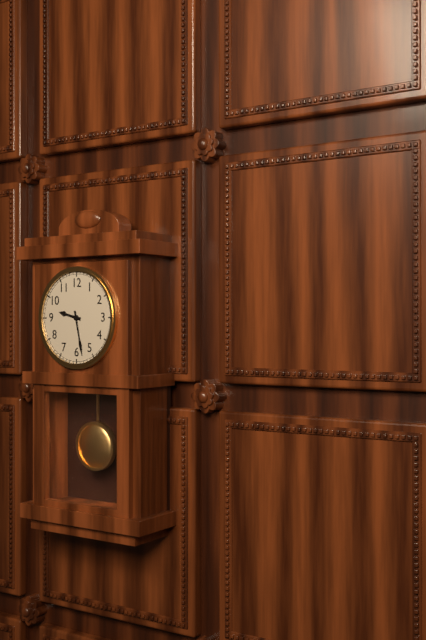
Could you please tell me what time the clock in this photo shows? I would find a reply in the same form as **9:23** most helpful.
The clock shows **9:28**
